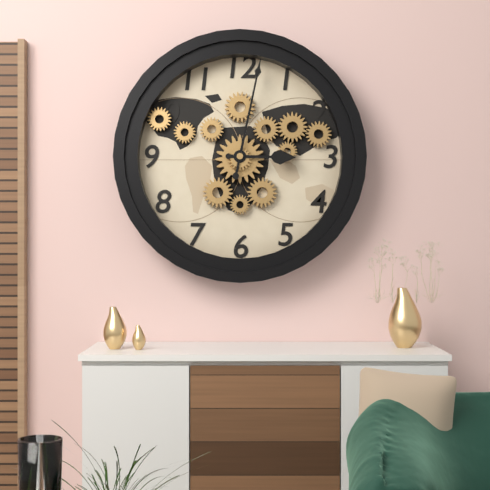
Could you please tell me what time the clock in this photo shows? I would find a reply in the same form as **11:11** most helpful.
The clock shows **3:02**
